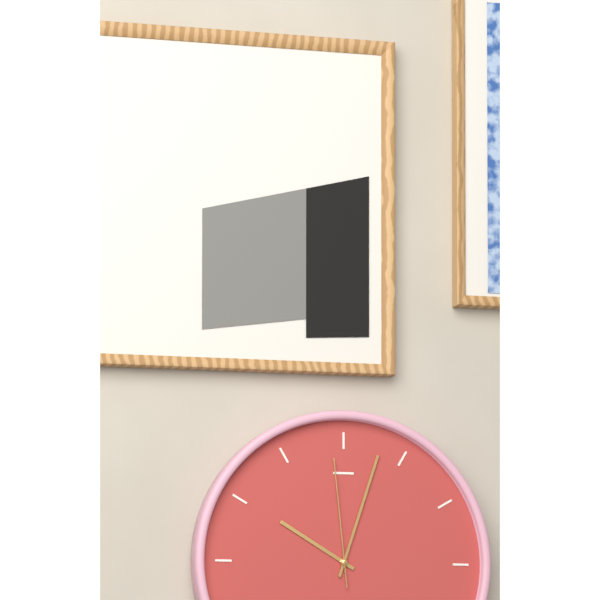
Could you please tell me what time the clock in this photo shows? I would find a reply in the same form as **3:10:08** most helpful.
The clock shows **10:03:59**
